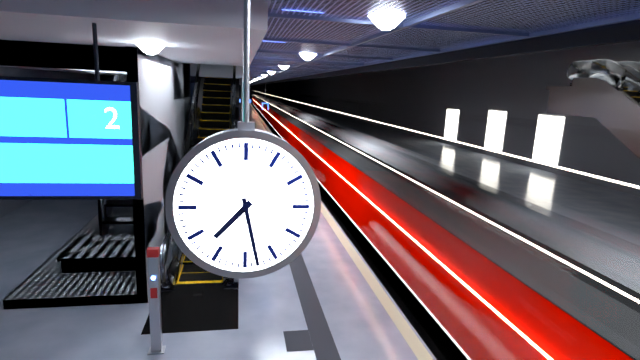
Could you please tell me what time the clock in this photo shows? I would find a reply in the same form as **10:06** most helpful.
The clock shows **7:28**
